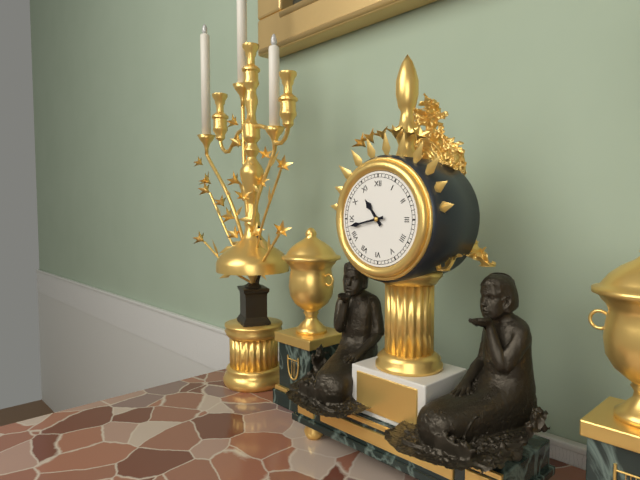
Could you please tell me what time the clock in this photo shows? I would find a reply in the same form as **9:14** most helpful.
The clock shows **10:43**
